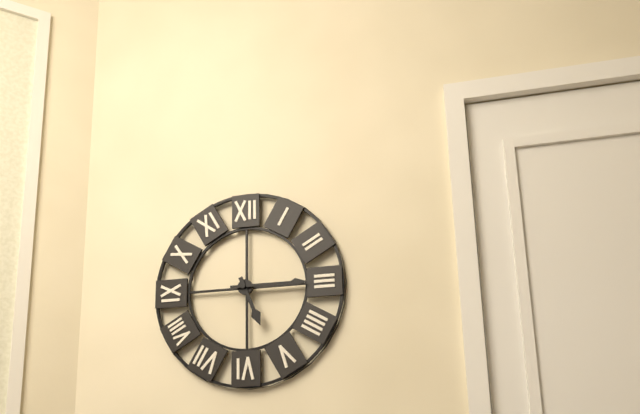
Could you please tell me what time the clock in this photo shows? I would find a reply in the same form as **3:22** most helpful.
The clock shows **5:15**
